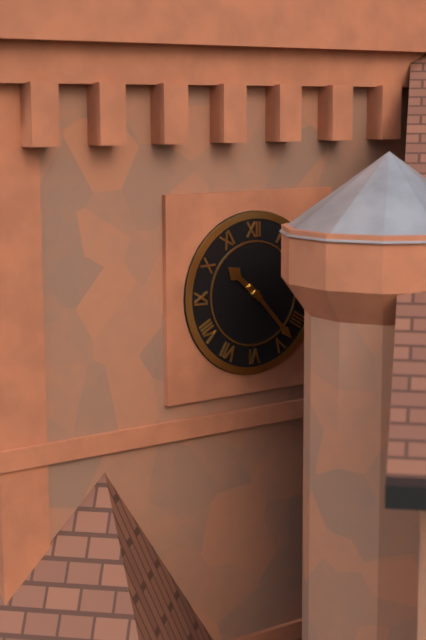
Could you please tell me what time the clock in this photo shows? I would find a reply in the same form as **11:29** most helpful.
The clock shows **10:23**
